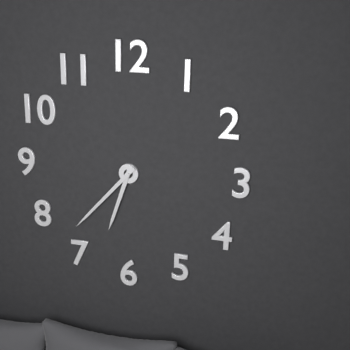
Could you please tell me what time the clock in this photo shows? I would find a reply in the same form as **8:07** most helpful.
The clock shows **6:37**
